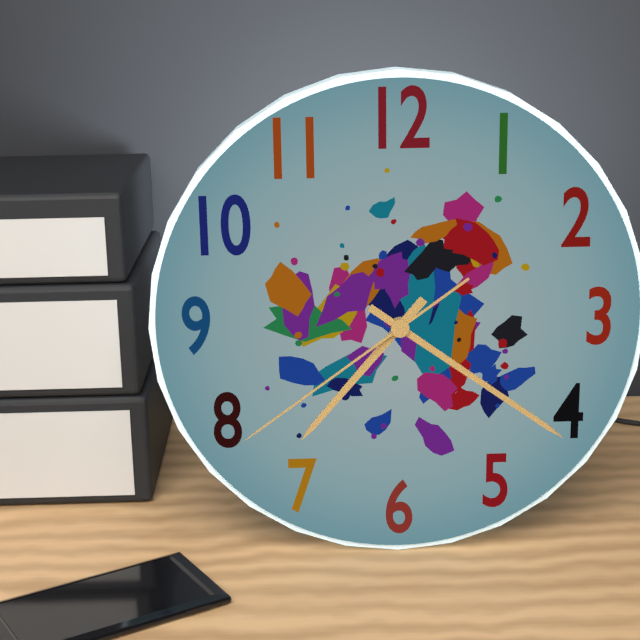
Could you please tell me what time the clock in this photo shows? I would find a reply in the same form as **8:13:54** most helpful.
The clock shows **7:21:39**
